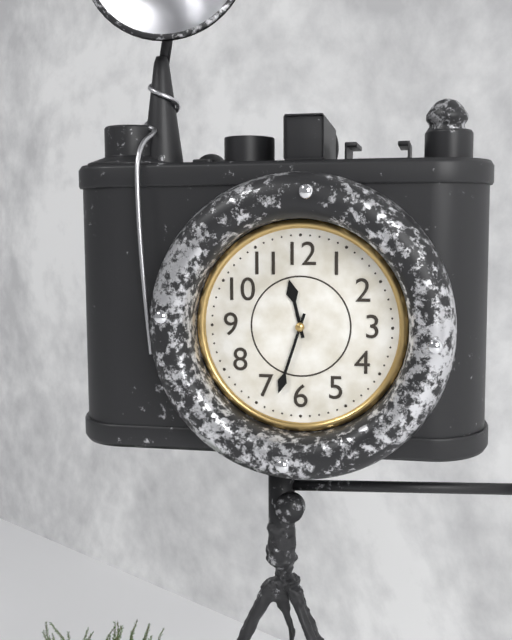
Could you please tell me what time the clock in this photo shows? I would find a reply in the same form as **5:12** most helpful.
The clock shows **11:33**
